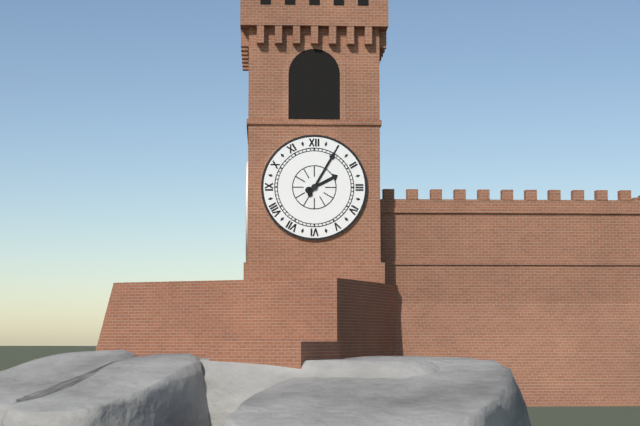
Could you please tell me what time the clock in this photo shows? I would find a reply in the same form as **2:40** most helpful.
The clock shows **2:05**
